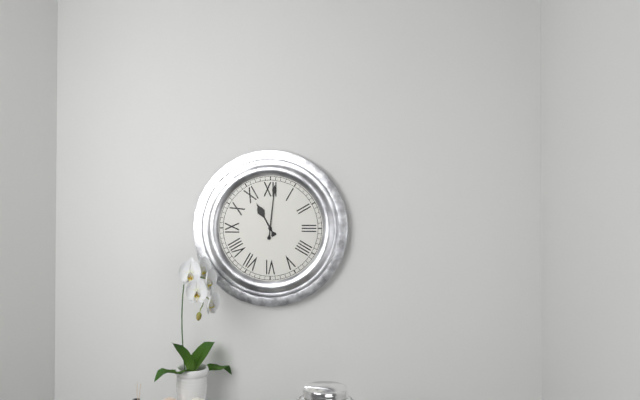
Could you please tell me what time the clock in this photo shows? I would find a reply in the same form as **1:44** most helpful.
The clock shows **11:01**
